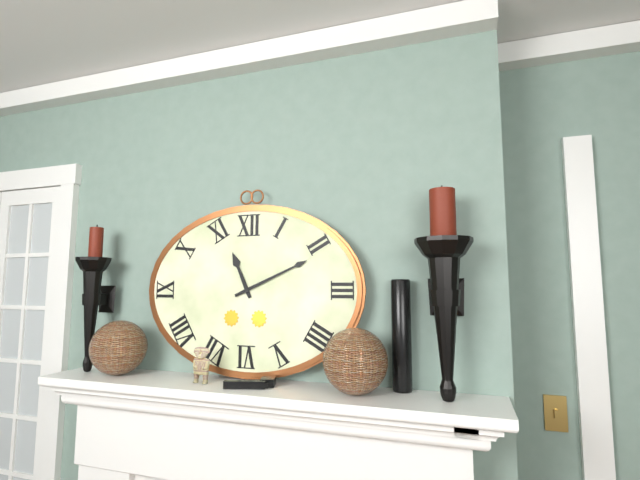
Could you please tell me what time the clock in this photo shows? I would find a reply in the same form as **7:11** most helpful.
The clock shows **11:11**
